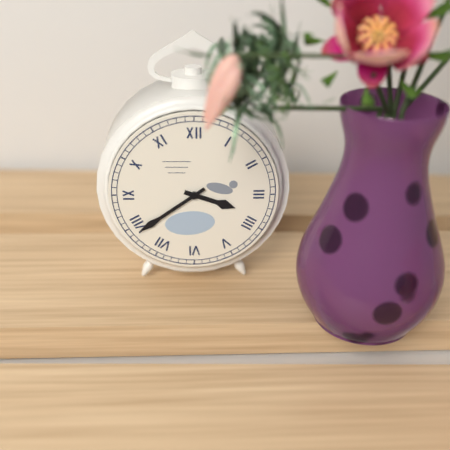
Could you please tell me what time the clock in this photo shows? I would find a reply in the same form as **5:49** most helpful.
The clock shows **3:39**
